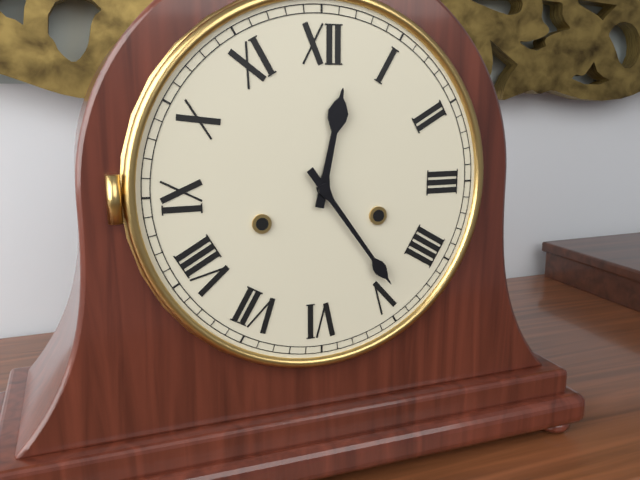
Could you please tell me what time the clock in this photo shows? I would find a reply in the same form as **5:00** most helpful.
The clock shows **12:24**
